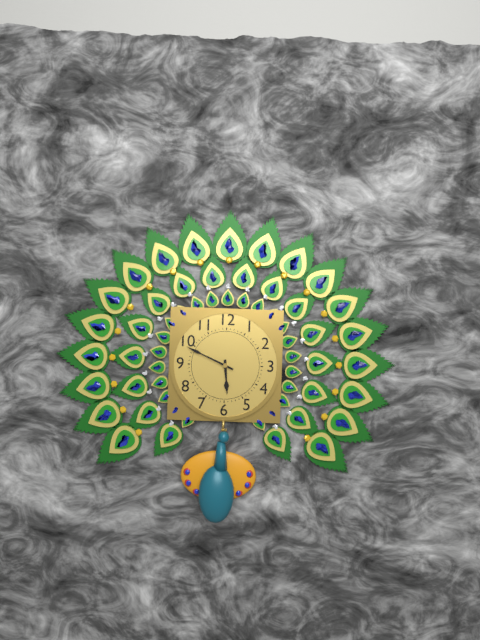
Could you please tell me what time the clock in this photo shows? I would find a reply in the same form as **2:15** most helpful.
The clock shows **5:49**
